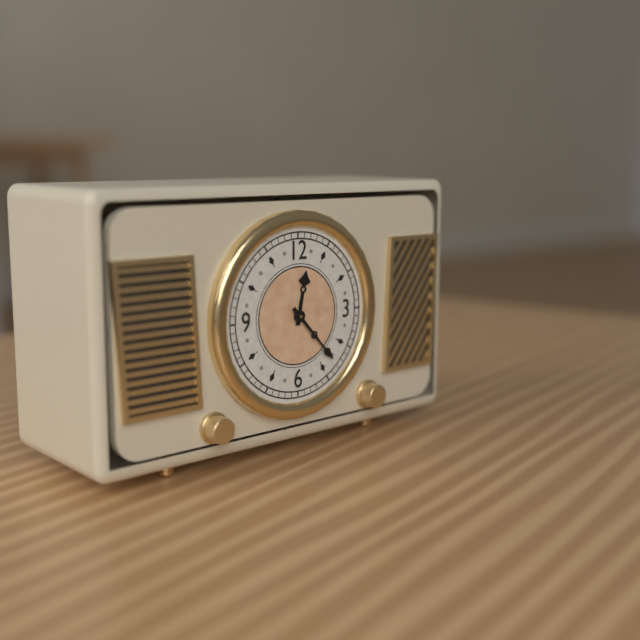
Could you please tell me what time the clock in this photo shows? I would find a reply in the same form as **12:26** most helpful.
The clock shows **12:23**
